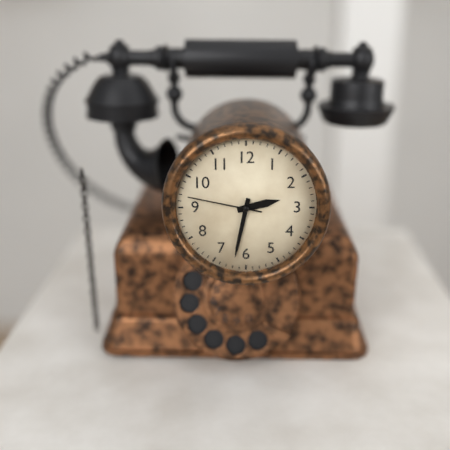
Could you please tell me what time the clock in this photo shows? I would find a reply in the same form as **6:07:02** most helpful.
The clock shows **2:32:47**
